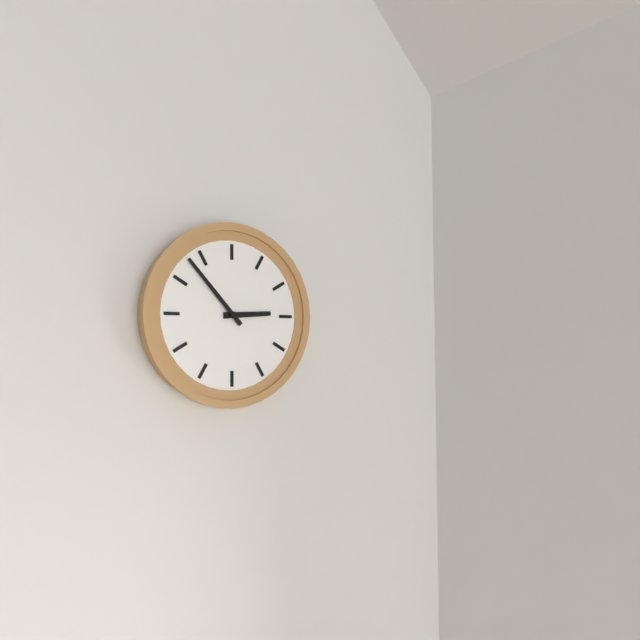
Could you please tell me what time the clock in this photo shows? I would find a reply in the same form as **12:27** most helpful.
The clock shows **2:53**
